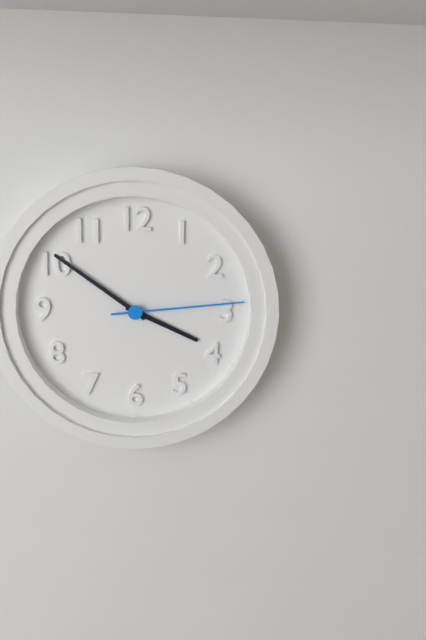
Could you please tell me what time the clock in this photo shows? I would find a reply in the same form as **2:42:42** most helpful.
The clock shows **3:51:14**
